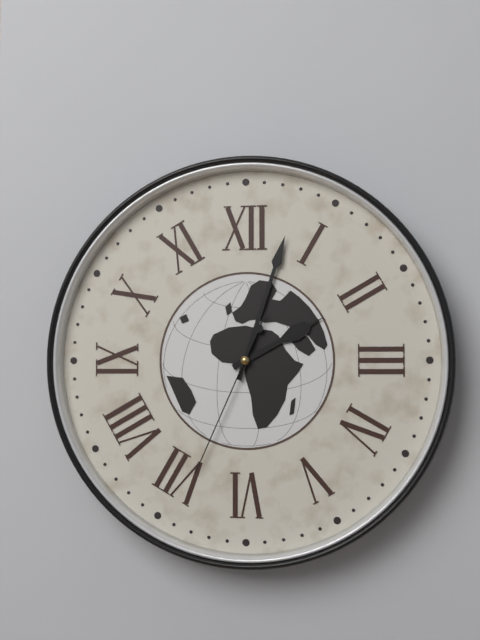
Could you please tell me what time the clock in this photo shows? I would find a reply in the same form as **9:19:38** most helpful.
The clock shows **2:03:34**
